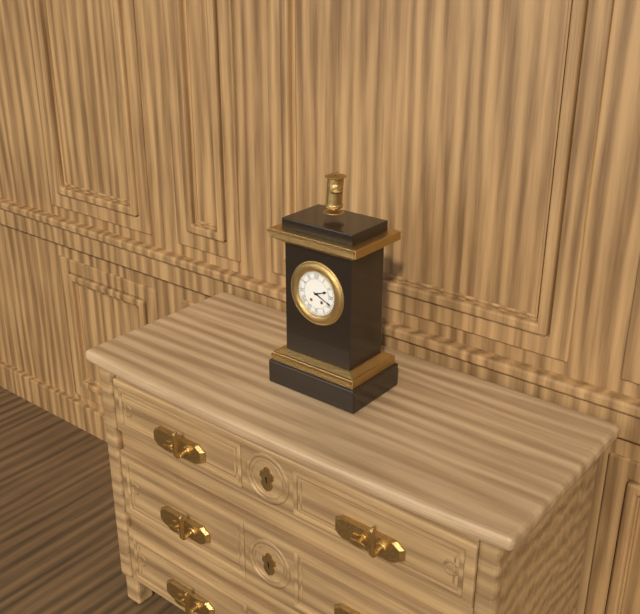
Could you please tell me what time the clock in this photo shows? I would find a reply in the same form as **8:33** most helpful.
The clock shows **2:19**
